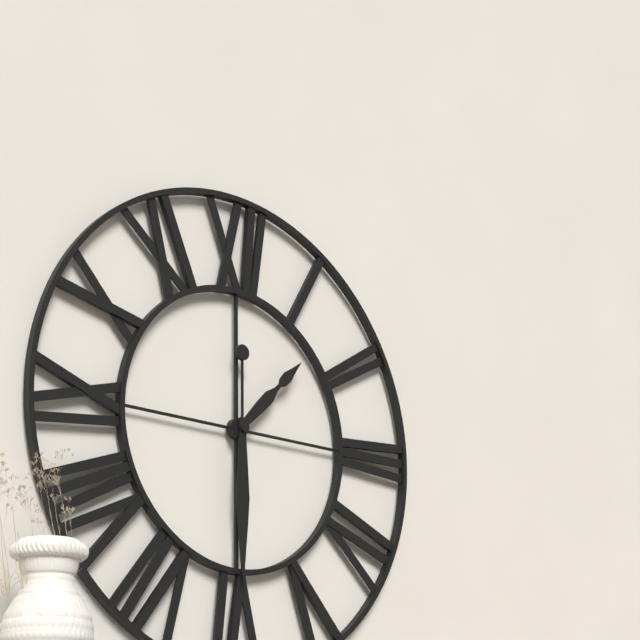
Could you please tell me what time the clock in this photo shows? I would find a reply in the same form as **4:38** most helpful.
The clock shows **1:30**
